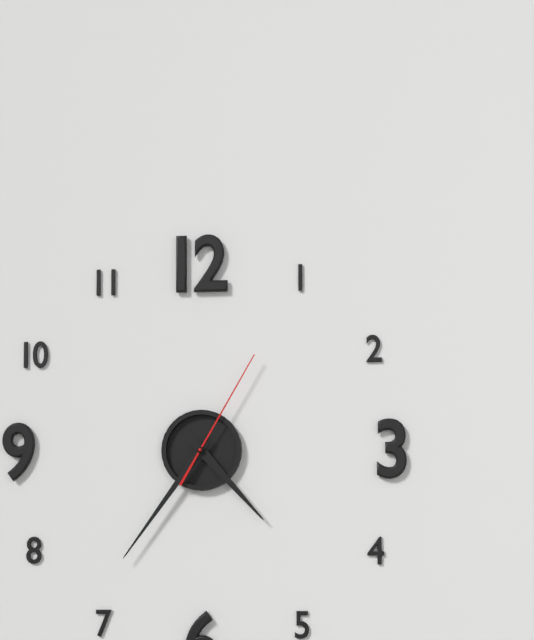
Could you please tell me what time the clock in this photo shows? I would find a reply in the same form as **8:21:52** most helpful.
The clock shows **4:36:05**
